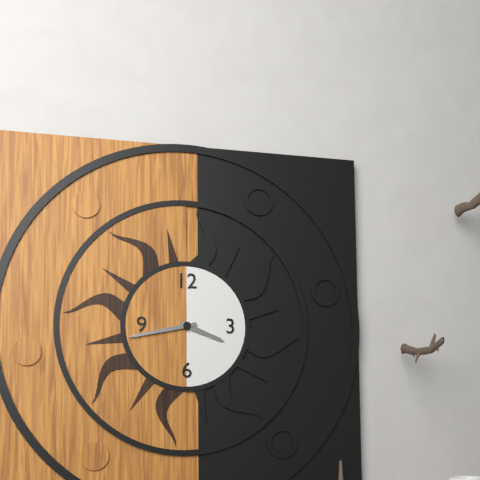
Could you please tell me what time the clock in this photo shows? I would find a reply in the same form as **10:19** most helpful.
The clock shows **3:43**
